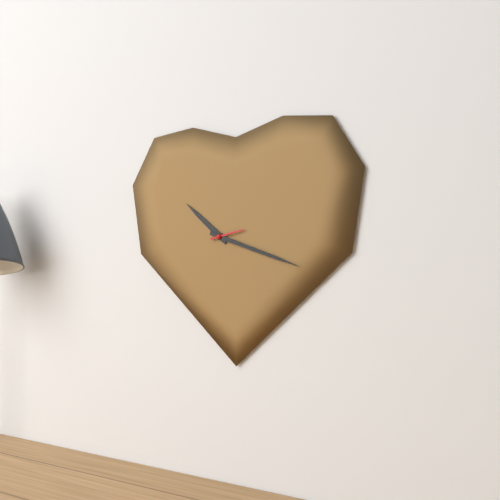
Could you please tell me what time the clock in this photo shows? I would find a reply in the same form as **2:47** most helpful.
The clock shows **10:18**
